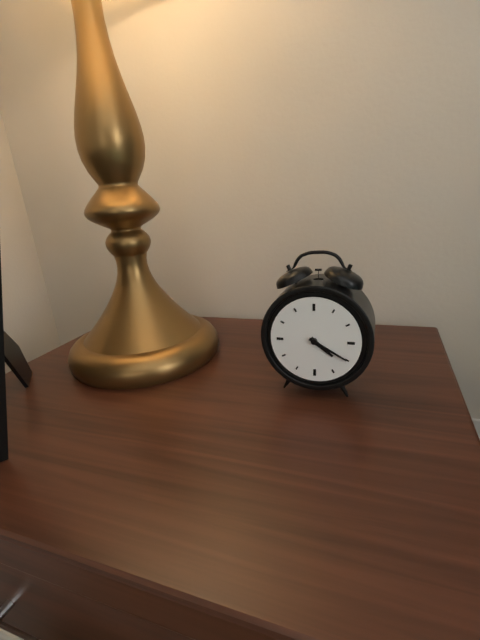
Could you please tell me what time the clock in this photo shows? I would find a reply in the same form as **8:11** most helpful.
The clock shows **4:20**
